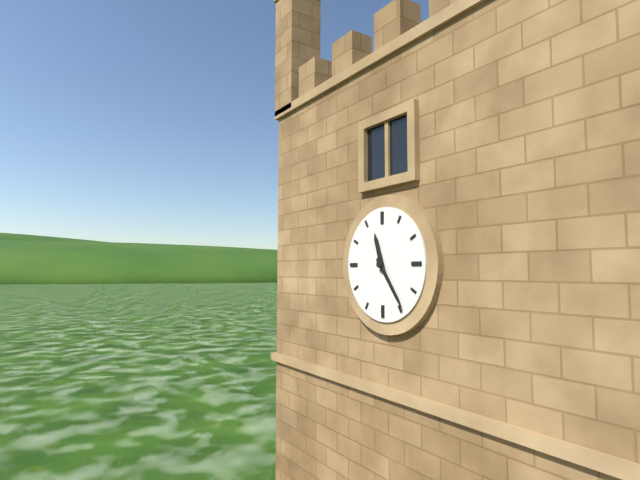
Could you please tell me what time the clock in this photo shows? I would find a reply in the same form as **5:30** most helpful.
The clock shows **11:24**
